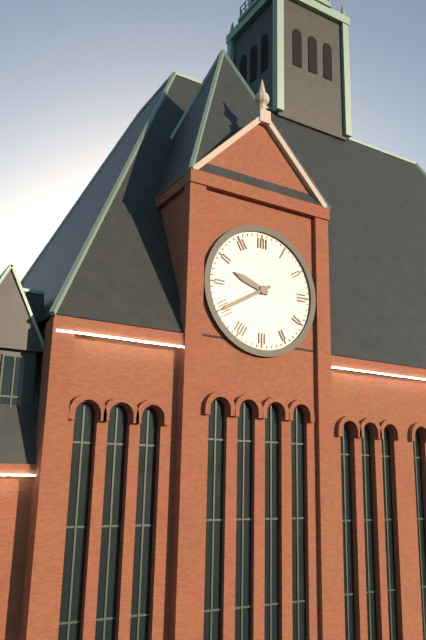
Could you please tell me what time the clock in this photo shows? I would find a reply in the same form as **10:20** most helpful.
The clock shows **9:40**
